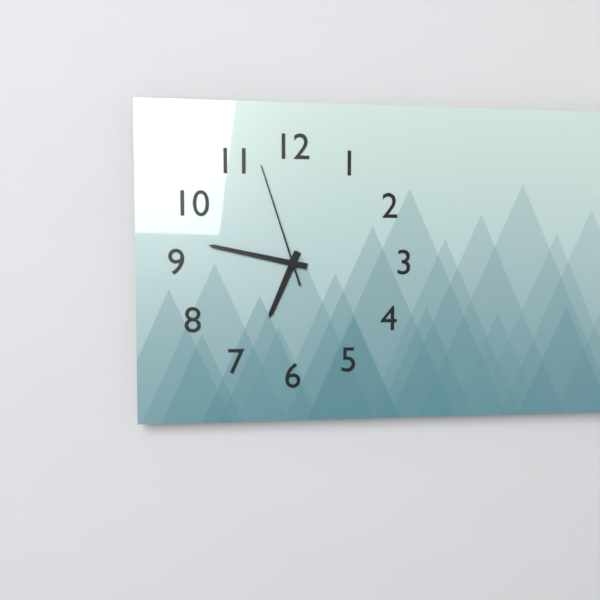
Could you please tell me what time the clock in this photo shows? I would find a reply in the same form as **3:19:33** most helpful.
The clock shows **6:47:57**
